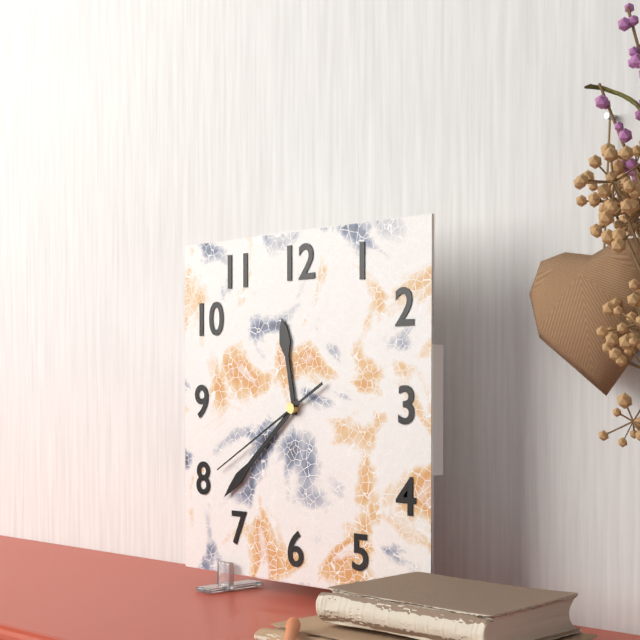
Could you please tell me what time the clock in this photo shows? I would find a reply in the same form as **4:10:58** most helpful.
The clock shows **11:38:40**
